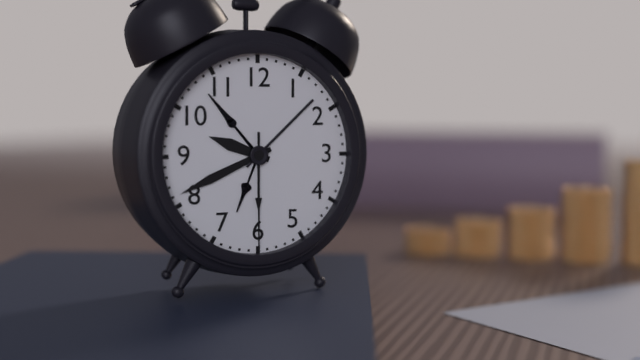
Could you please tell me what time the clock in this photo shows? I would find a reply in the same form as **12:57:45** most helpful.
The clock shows **9:41:30**
